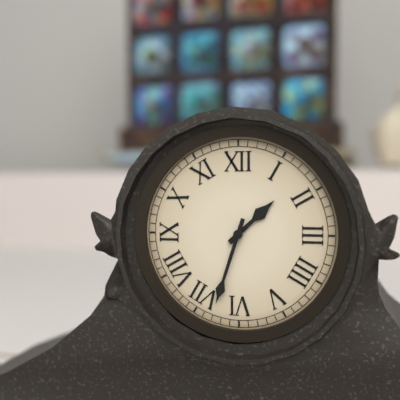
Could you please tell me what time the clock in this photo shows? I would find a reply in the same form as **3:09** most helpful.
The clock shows **1:33**
